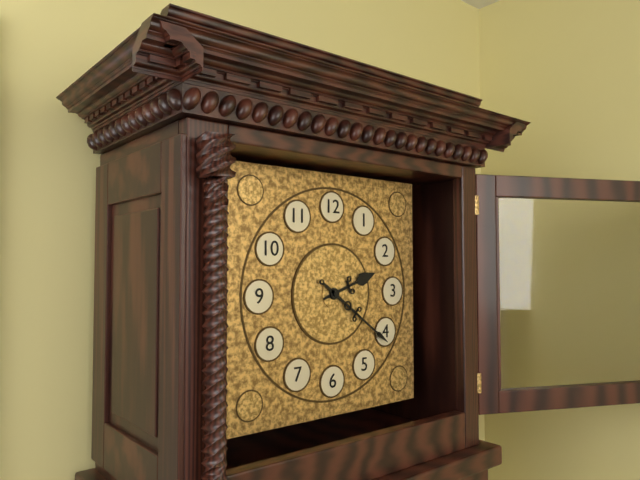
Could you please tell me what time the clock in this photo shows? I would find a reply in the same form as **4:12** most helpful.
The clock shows **2:21**
